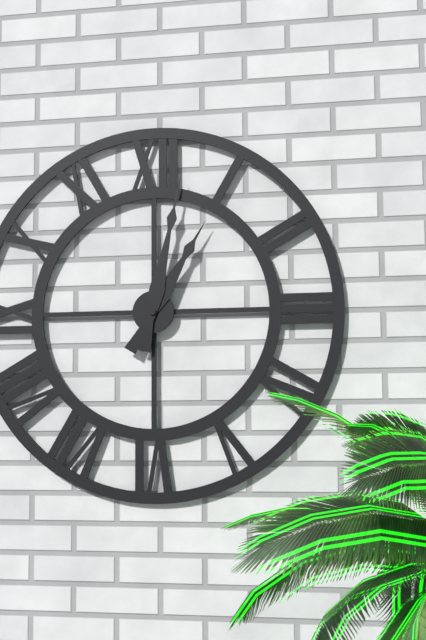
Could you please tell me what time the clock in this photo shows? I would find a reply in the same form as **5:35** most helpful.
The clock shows **1:02**
